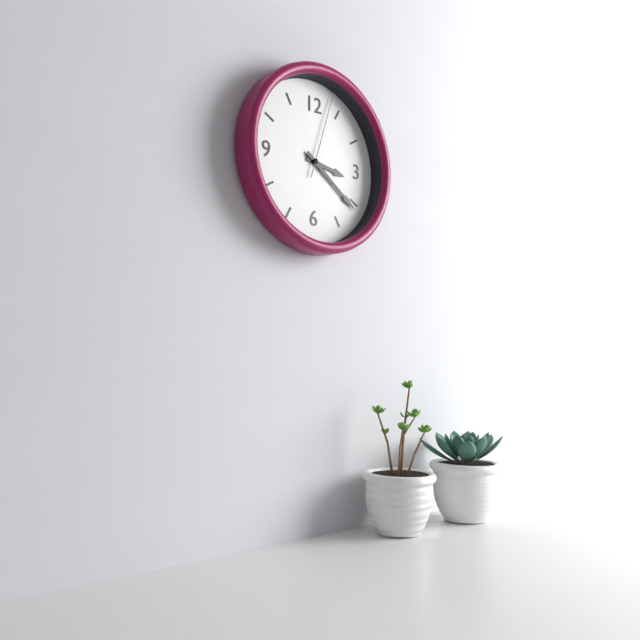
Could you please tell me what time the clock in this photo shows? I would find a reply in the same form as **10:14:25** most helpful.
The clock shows **3:21:03**
